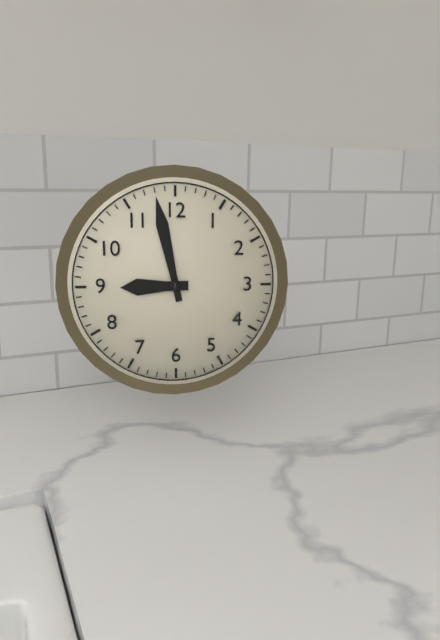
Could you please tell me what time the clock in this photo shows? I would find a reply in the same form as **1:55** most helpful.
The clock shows **8:58**
